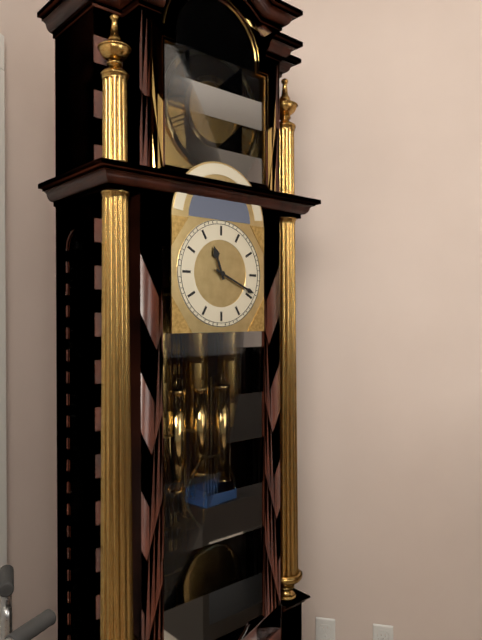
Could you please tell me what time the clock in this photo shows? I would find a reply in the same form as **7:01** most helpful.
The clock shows **11:19**
